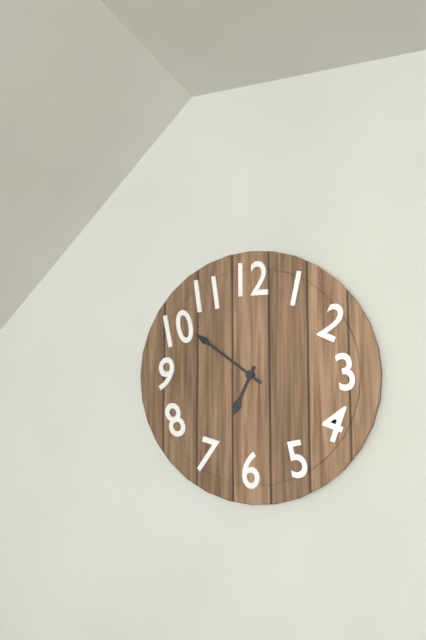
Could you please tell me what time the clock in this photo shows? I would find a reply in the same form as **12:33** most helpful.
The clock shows **6:51**
